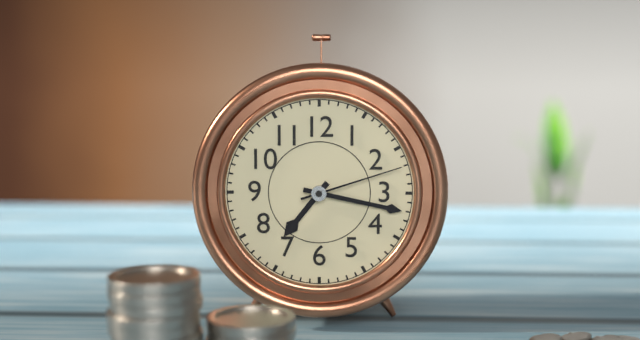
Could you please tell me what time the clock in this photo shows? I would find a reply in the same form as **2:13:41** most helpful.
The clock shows **7:17:12**
